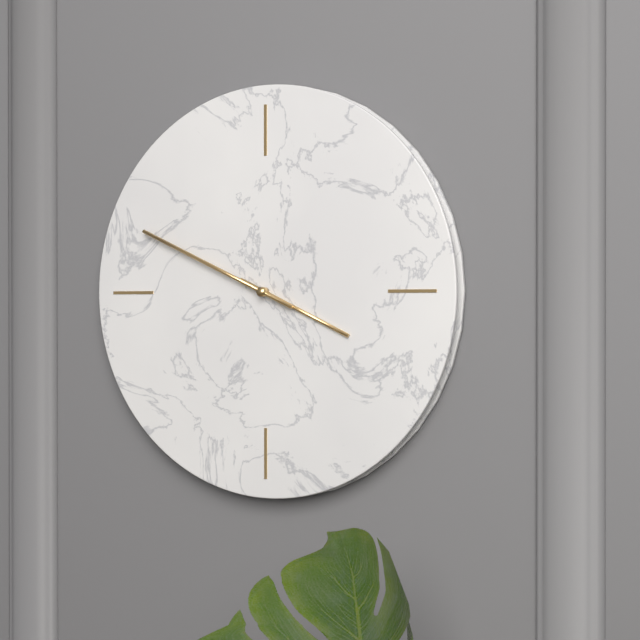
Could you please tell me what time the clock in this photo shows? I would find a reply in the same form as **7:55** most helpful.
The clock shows **3:49**
